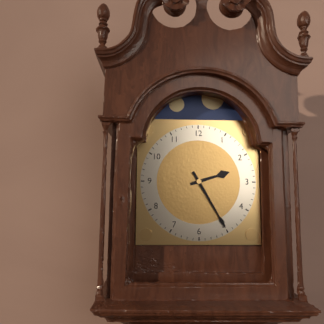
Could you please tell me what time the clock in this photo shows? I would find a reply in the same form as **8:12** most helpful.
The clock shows **2:25**
